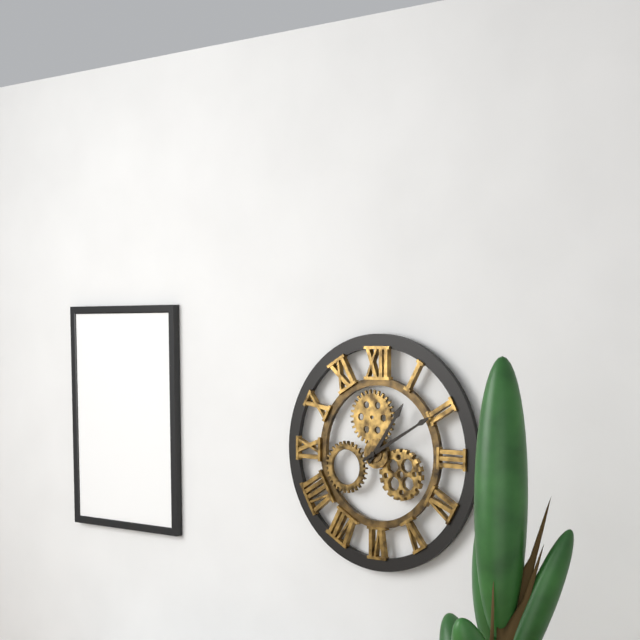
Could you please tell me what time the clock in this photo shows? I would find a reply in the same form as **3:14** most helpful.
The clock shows **1:10**
